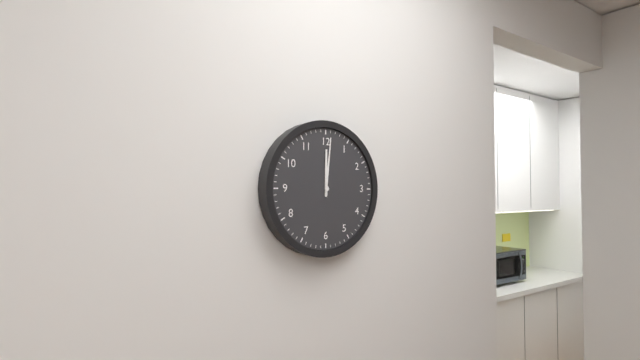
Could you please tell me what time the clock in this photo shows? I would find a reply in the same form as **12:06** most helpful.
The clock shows **12:01**
